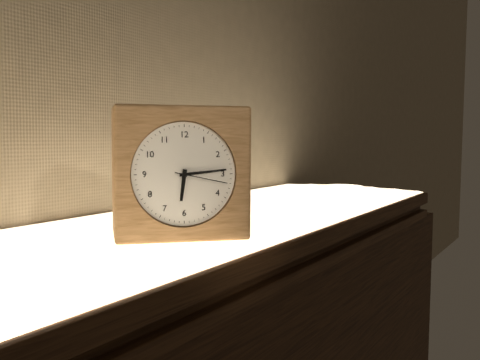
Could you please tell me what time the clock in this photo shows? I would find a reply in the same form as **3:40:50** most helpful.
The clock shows **6:14:17**
